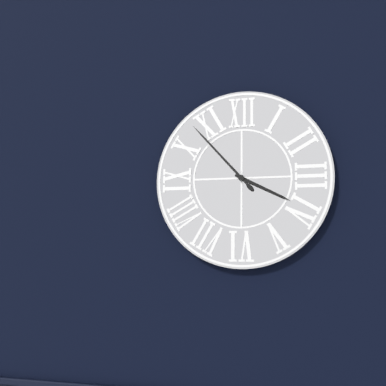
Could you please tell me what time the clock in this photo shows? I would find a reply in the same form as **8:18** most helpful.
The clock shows **3:53**
